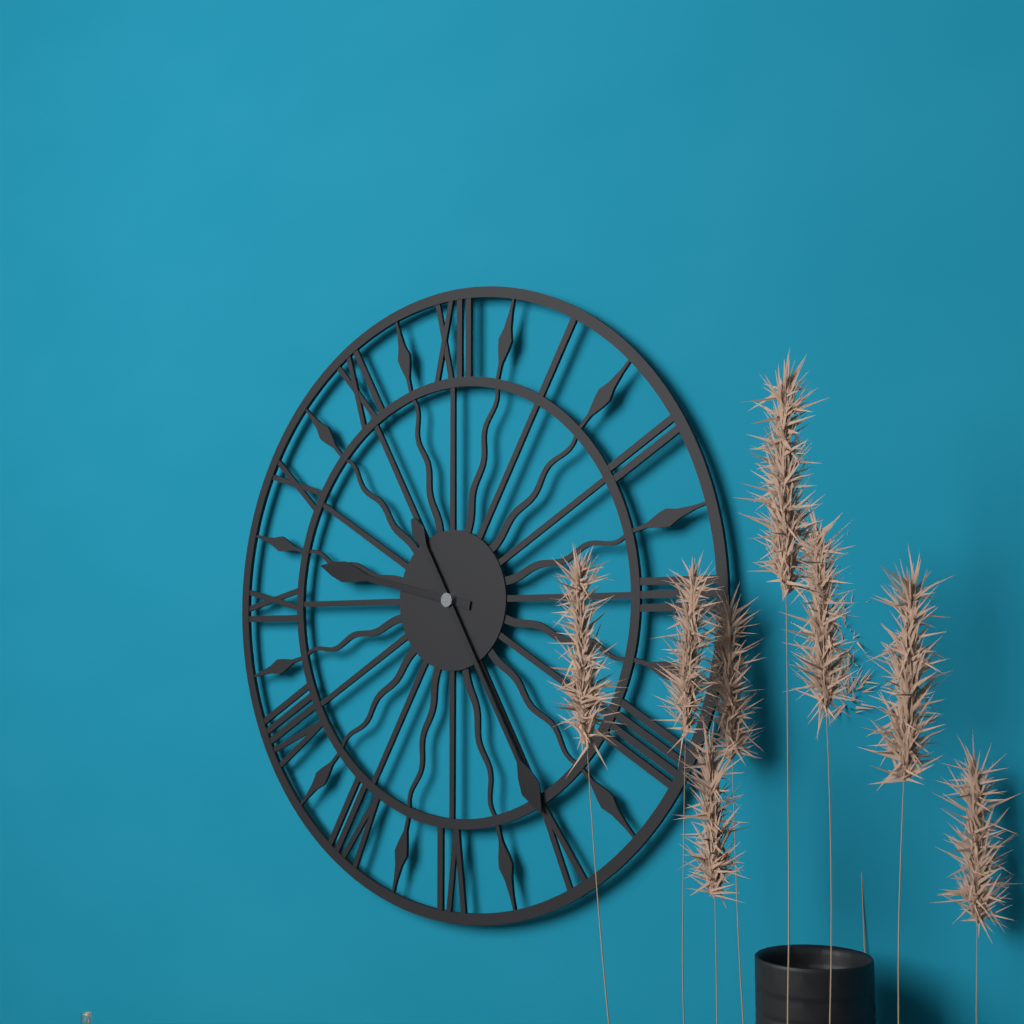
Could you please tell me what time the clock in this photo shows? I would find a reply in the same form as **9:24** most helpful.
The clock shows **9:25**
